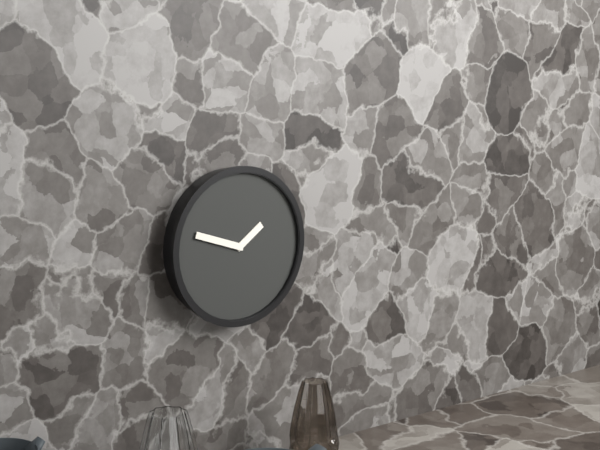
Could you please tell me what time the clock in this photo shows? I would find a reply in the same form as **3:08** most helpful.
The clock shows **1:48**
